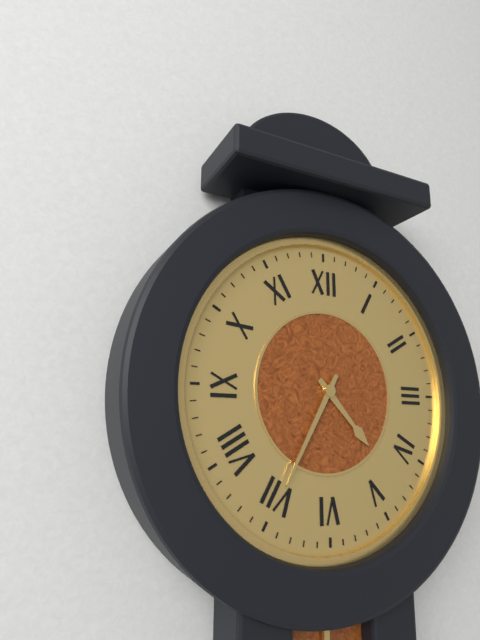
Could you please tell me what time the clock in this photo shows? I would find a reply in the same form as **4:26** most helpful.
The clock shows **4:35**
